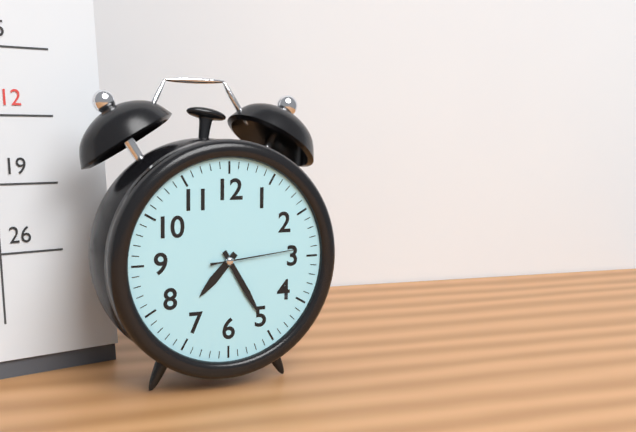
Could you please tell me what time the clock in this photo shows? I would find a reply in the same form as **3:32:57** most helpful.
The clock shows **7:25:14**
